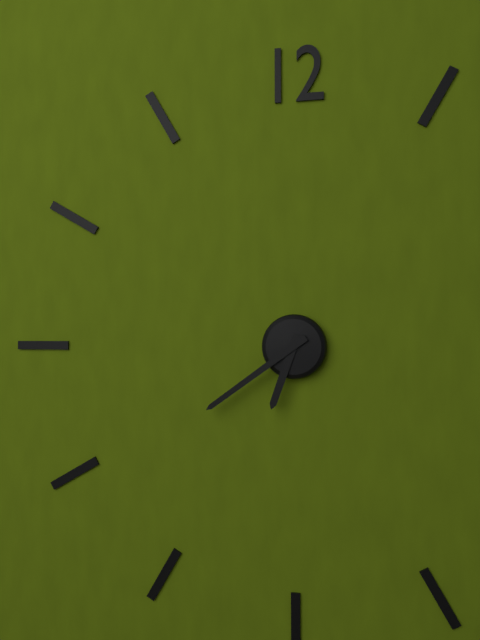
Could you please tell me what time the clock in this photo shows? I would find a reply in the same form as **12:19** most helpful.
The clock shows **6:39**
